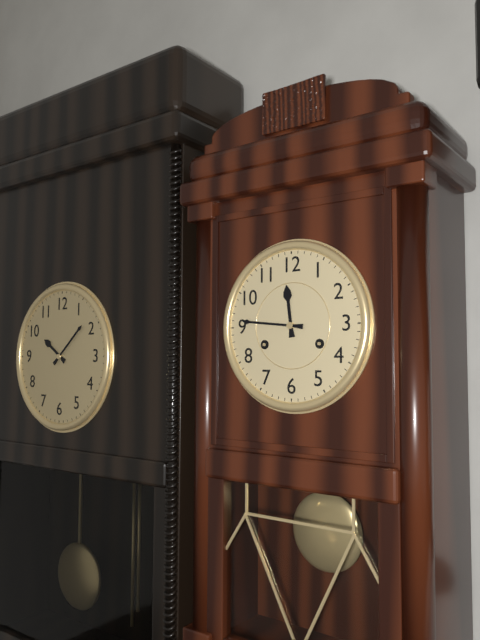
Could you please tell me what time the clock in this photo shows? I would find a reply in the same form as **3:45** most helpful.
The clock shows **11:46**
